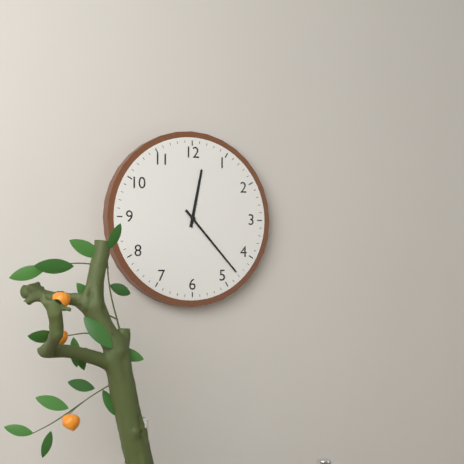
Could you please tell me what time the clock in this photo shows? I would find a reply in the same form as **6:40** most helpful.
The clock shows **12:23**
